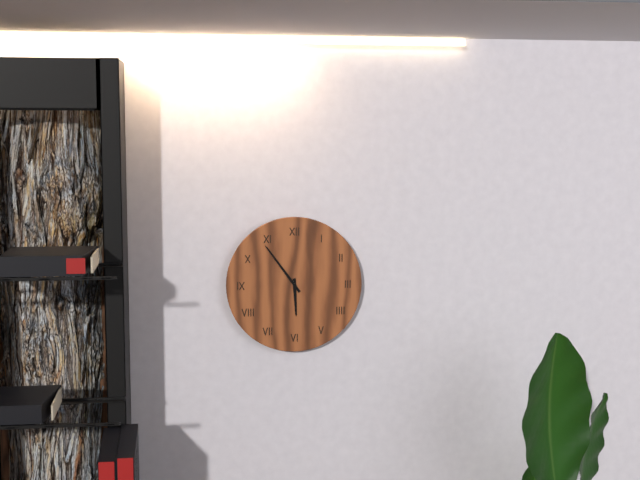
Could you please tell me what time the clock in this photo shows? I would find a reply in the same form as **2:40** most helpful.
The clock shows **5:54**
